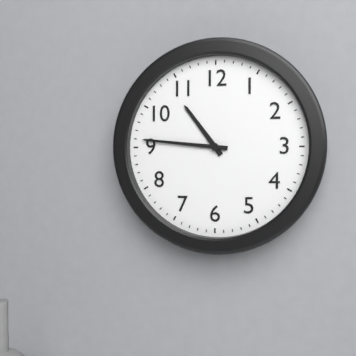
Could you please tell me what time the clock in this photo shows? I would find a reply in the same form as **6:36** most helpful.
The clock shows **10:46**
